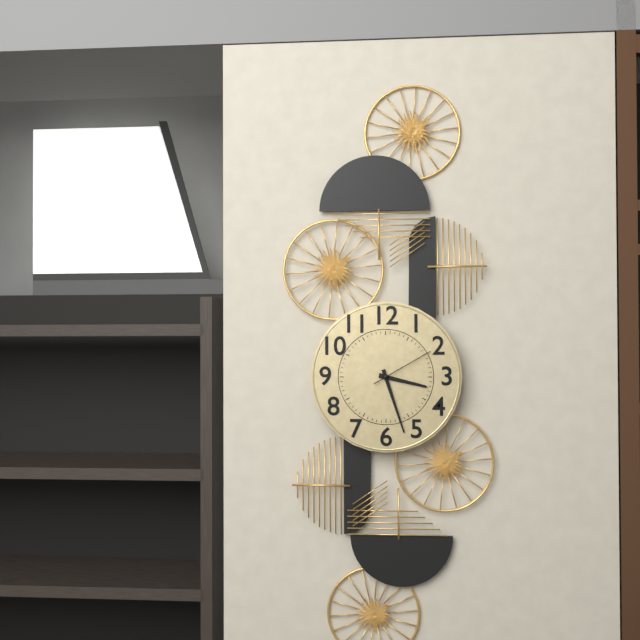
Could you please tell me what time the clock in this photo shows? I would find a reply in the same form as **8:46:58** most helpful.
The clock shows **3:27:10**
